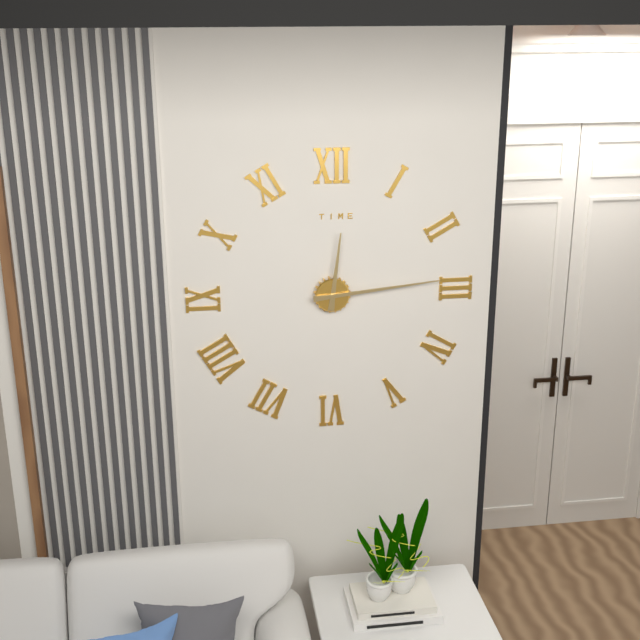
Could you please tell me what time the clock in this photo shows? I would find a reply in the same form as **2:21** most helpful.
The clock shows **12:14**
